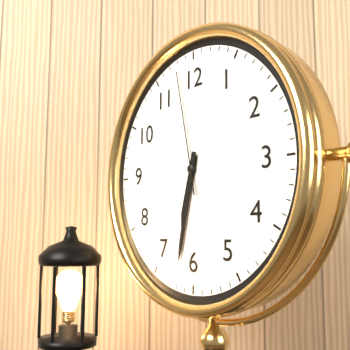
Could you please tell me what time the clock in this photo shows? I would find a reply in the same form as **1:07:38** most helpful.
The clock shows **6:32:58**
